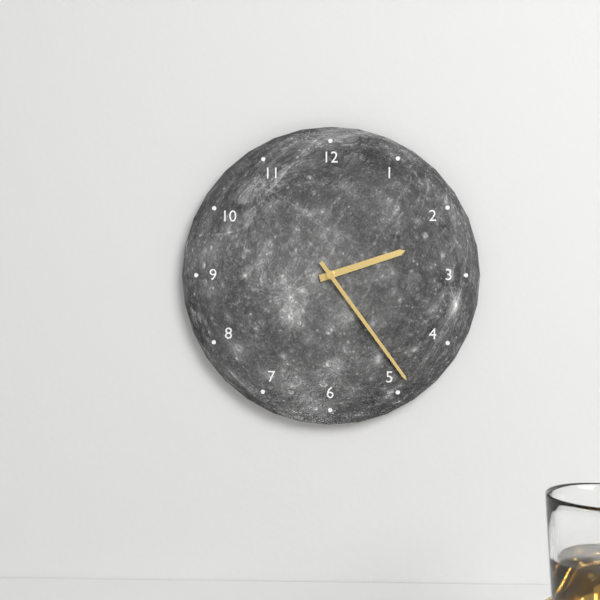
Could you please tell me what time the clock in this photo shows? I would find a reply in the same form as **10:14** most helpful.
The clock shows **2:24**
